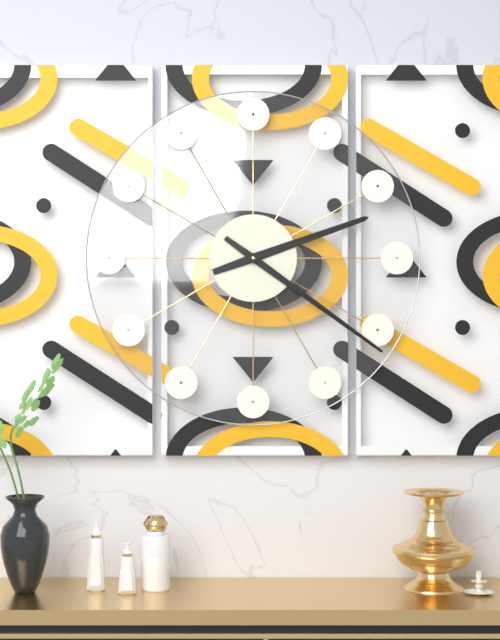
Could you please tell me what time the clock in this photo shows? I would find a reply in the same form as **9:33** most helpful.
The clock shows **2:21**
